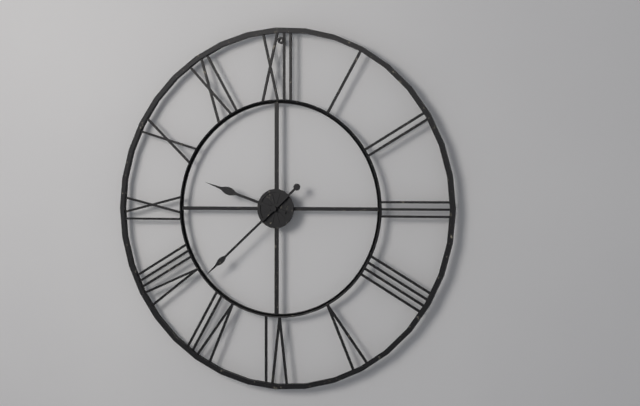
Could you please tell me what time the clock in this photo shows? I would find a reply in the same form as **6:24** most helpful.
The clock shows **9:38**
